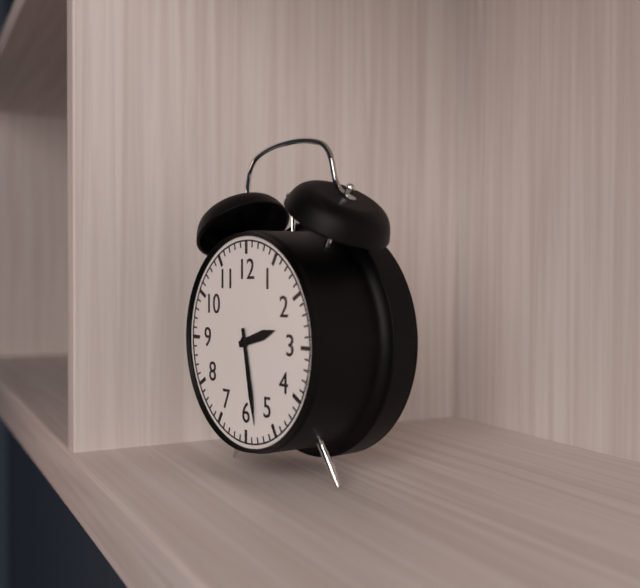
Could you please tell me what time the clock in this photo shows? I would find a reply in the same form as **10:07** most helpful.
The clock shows **2:28**
